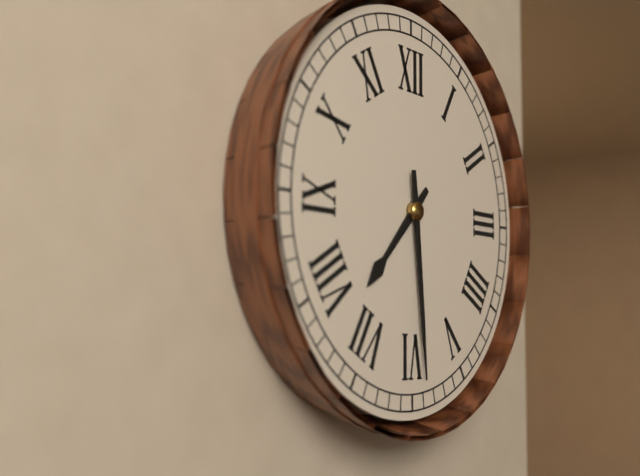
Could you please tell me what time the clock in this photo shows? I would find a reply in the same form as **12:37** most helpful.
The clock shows **7:29**
